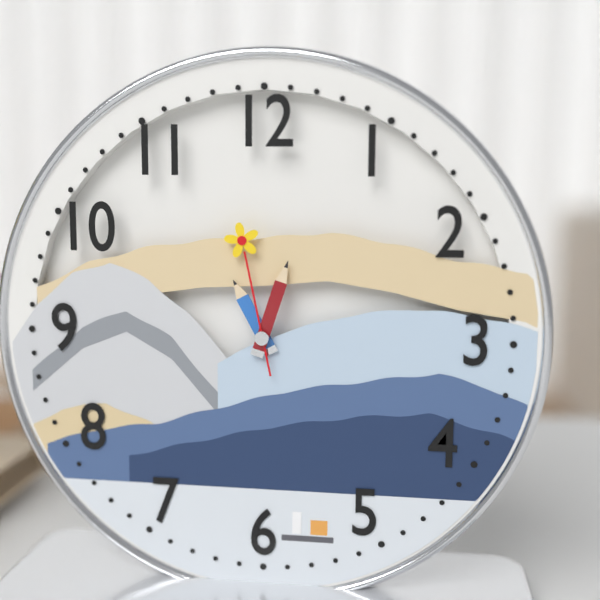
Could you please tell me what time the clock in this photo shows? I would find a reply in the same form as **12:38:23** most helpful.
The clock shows **11:03:58**
